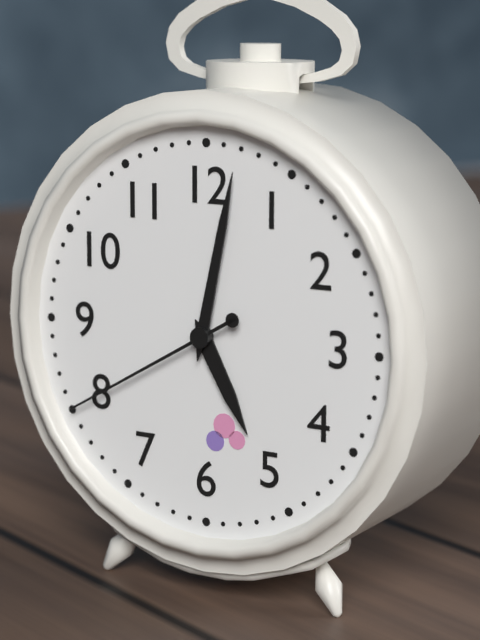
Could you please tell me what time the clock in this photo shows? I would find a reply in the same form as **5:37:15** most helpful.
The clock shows **5:02:40**
